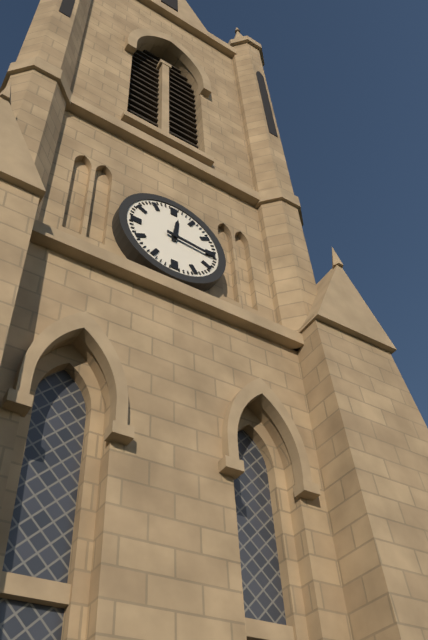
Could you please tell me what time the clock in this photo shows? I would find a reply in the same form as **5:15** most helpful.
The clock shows **12:16**
